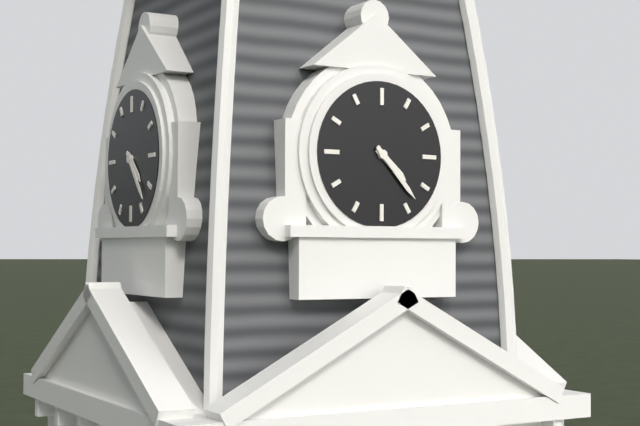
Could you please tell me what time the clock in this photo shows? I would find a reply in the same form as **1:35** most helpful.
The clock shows **4:23**
